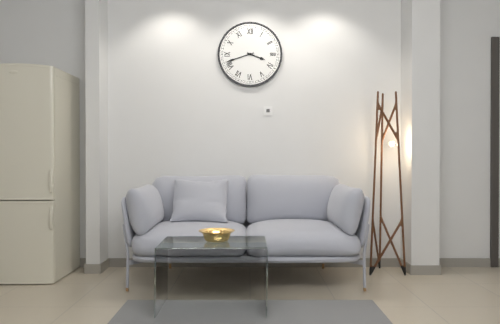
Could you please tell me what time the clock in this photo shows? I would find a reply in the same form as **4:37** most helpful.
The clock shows **3:42**
